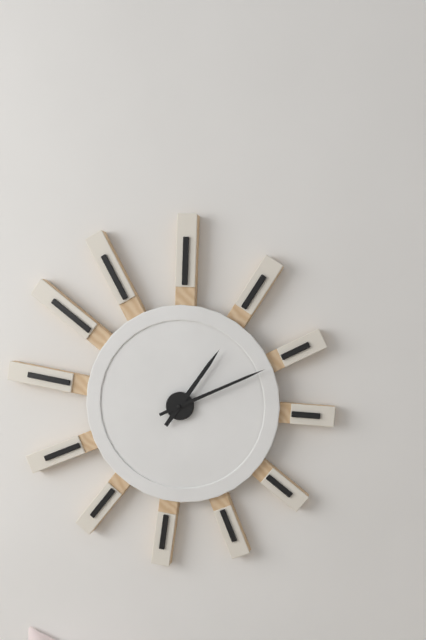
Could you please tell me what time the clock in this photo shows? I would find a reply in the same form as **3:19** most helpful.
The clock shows **1:11**
